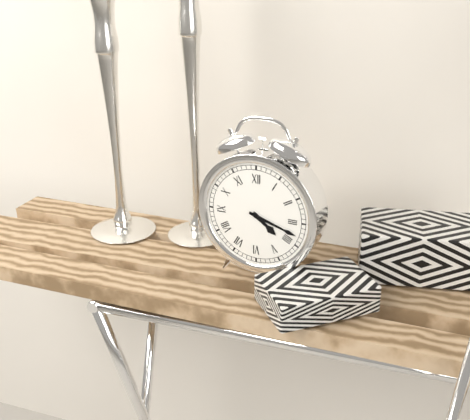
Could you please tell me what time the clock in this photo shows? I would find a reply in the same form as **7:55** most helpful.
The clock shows **4:18**
